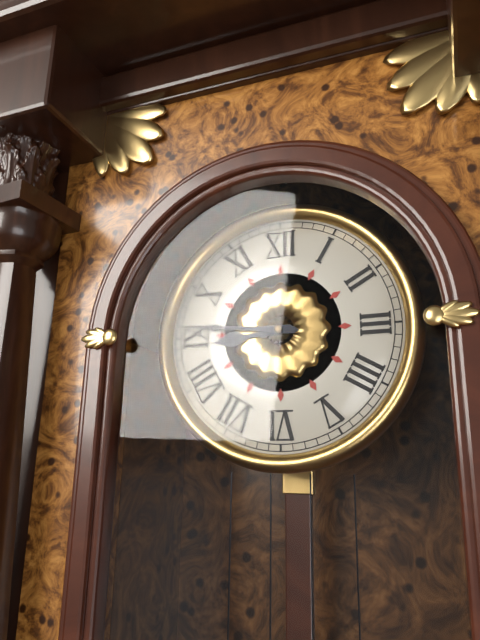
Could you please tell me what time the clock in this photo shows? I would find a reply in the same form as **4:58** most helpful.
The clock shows **8:46**
